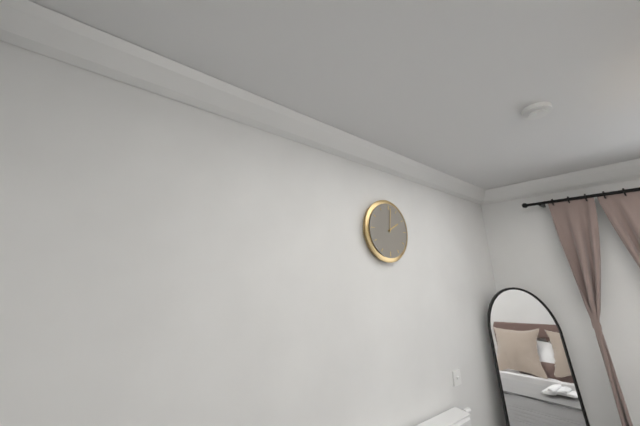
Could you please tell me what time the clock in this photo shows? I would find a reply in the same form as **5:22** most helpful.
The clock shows **2:01**
